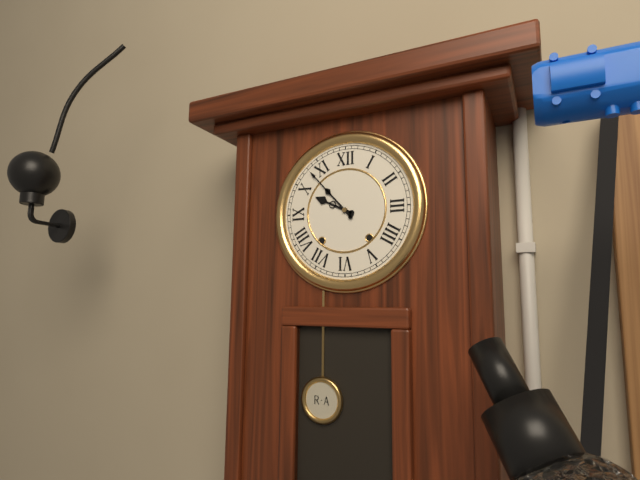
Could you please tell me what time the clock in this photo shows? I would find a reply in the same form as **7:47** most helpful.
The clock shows **9:53**
